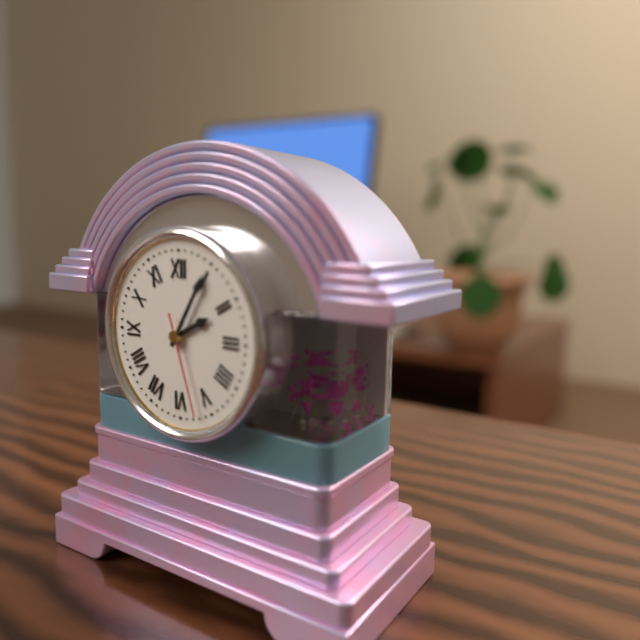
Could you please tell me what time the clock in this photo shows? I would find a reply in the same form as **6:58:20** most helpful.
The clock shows **2:05:27**
